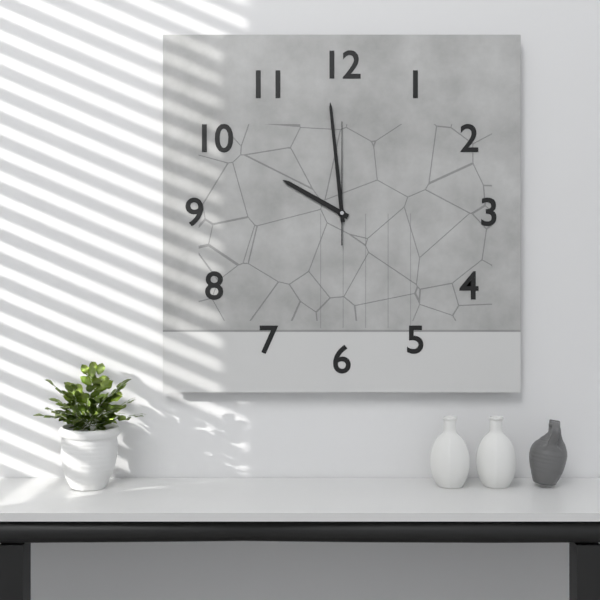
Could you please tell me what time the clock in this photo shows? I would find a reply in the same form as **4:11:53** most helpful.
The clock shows **9:59:00**
